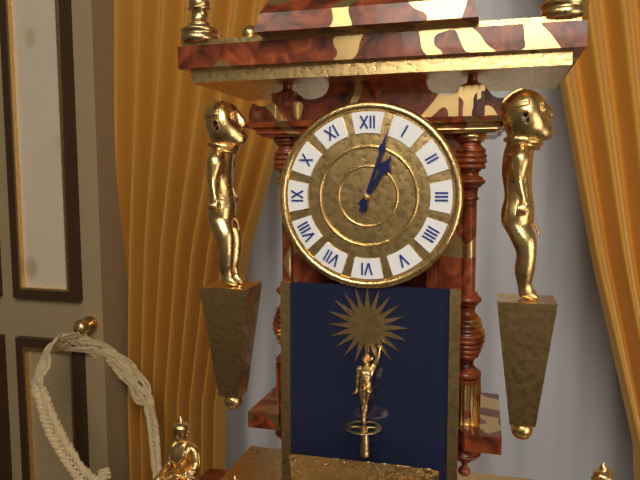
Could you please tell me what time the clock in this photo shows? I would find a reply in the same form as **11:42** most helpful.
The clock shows **1:03**
